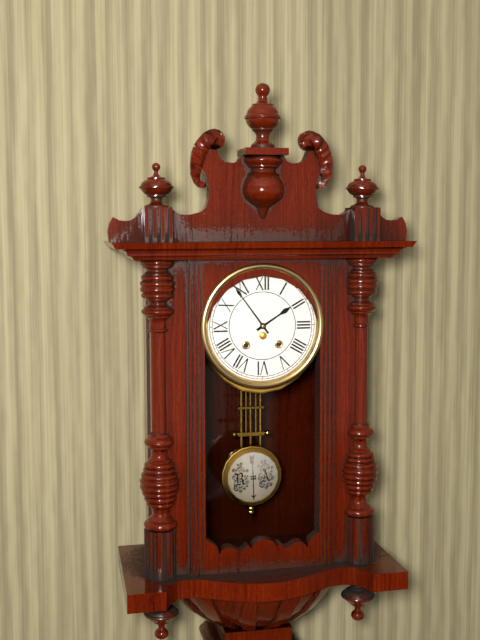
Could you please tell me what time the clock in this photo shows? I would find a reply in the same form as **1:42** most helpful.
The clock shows **1:54**
